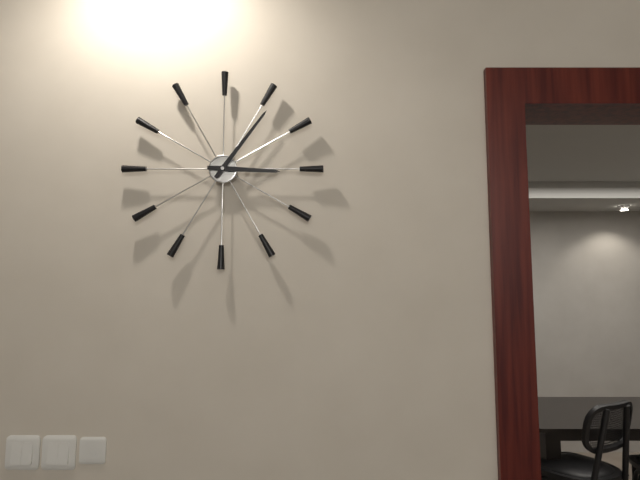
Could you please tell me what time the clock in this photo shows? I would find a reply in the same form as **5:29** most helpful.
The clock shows **3:06**
